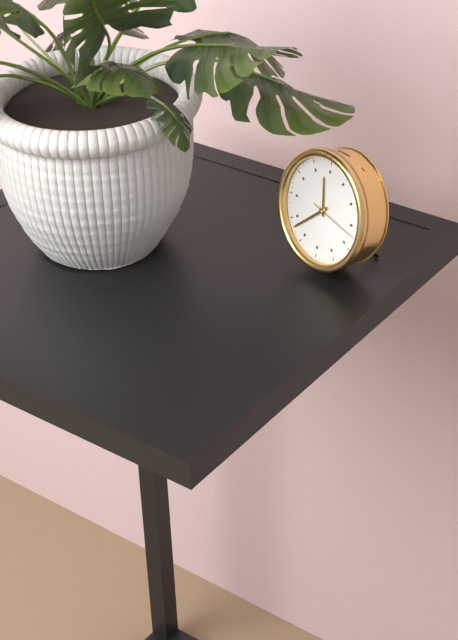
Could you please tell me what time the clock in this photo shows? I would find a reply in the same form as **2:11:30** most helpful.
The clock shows **11:38:17**
